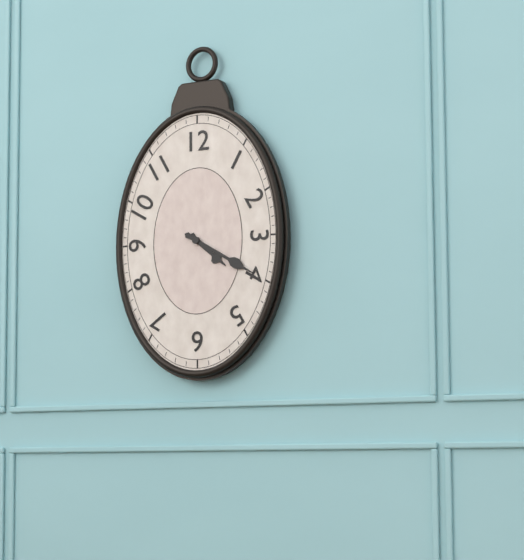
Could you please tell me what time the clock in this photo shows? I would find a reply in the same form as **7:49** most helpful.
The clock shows **4:20**
